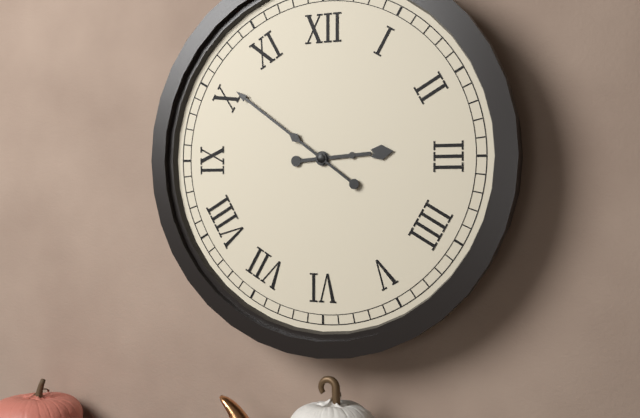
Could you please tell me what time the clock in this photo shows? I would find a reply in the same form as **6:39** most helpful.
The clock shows **2:51**
